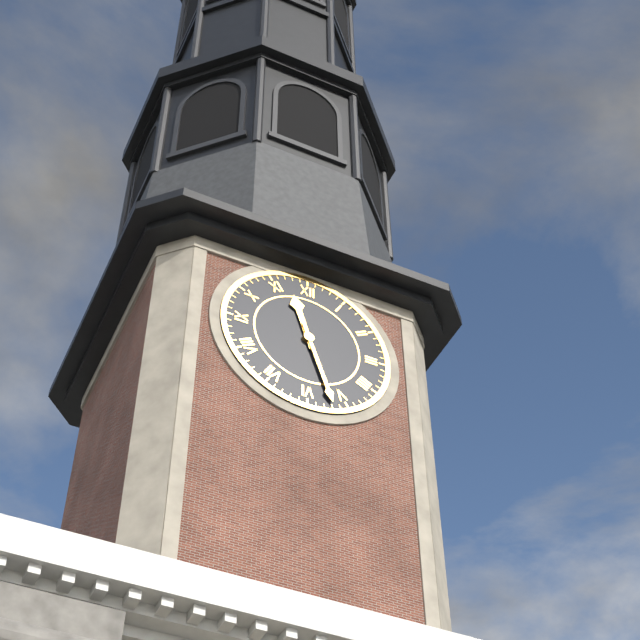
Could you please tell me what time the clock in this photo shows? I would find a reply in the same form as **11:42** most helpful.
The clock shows **11:27**
